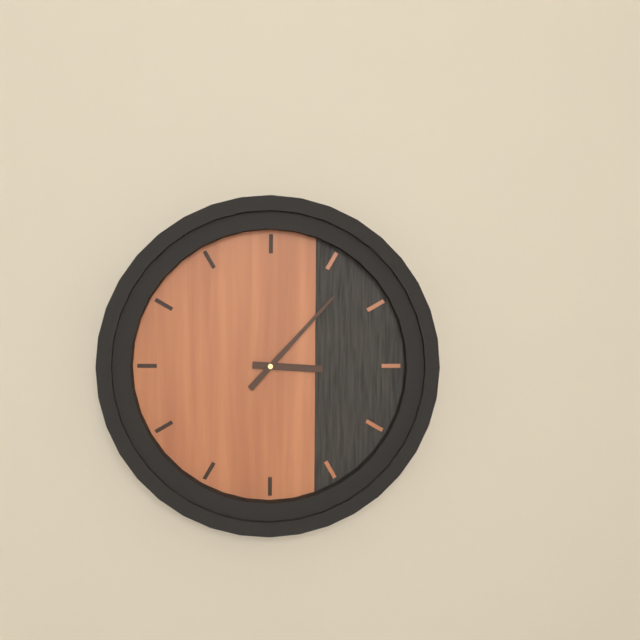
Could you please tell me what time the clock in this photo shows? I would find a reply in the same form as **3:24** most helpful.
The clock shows **3:07**
